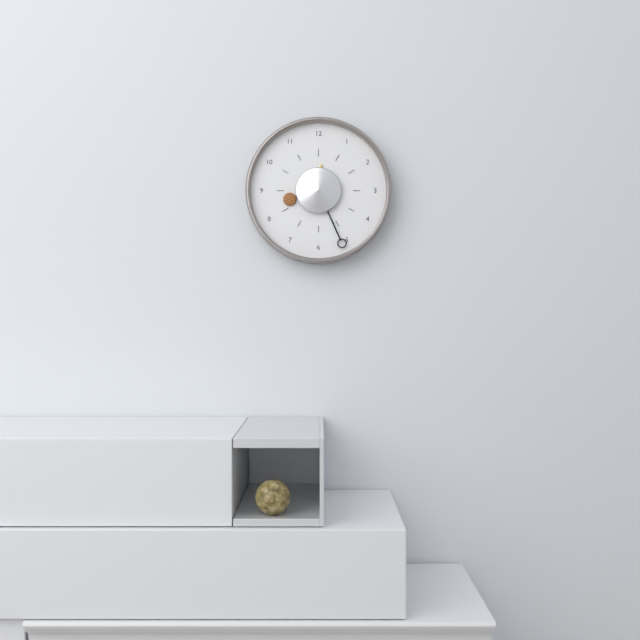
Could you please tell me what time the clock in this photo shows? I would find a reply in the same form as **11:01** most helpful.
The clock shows **8:26**
